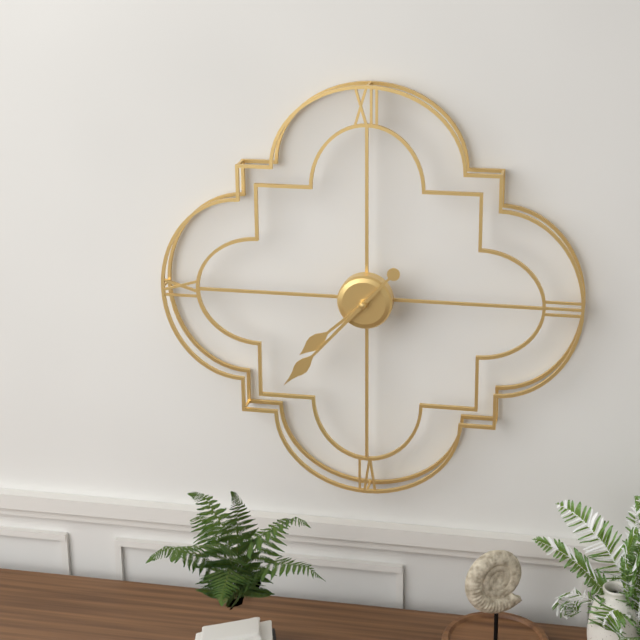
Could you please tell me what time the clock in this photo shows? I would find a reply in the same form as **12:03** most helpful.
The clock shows **7:37**
